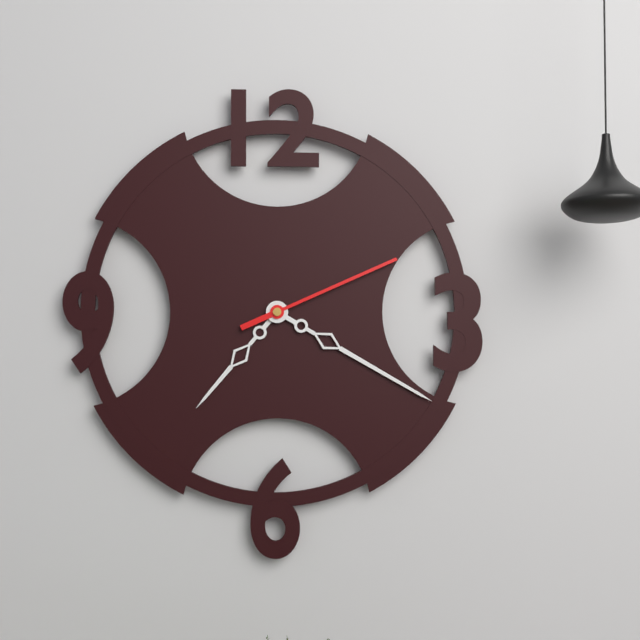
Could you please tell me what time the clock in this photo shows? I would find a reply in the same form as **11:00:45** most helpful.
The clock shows **7:20:11**
